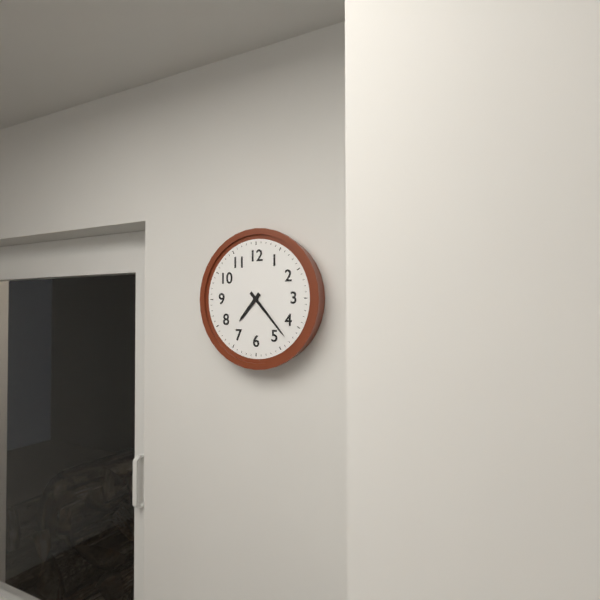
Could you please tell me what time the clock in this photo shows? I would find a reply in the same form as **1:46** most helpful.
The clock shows **7:23**
